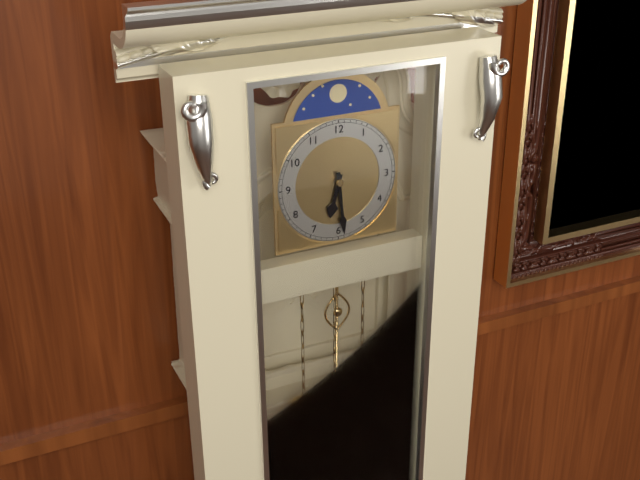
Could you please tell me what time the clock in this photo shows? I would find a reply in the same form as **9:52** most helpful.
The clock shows **6:29**
